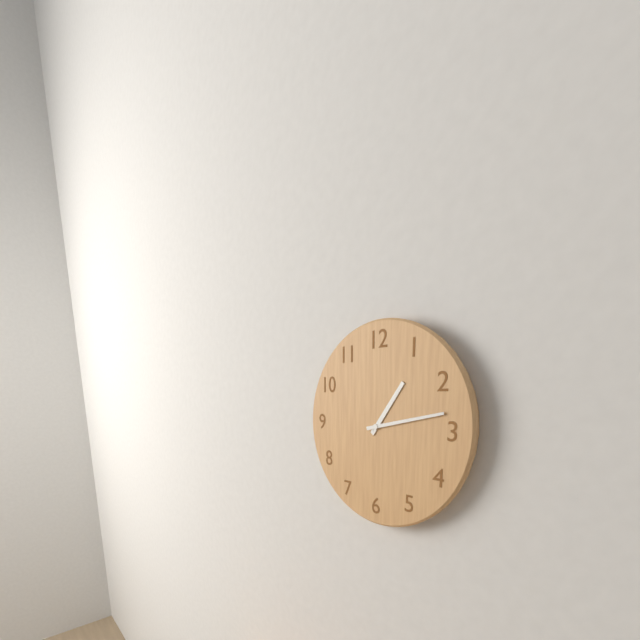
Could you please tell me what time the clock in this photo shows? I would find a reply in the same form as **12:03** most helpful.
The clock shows **1:13**
